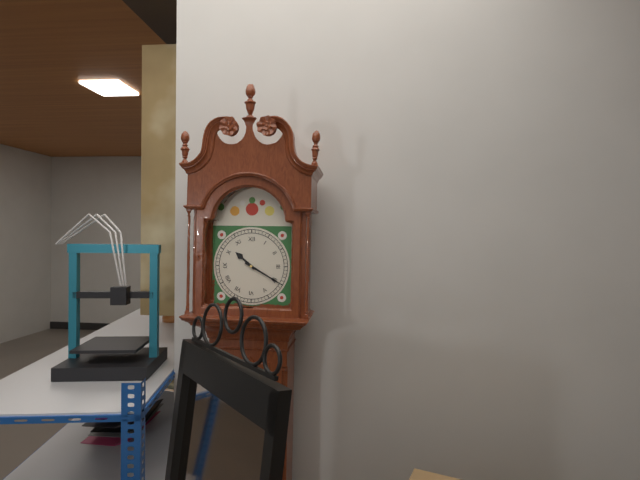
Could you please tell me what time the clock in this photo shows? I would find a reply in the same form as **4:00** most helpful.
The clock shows **10:20**
